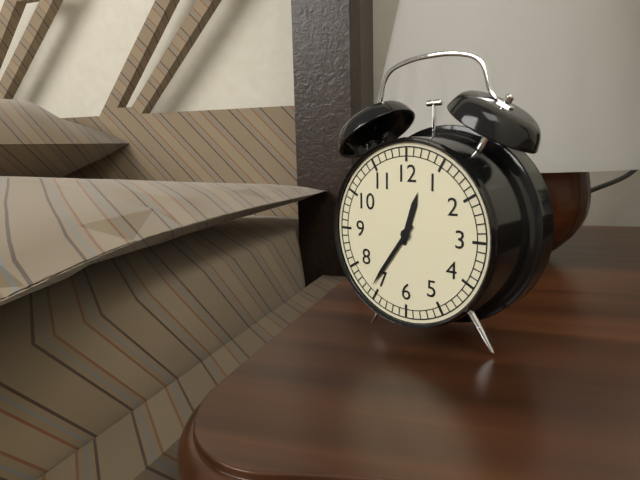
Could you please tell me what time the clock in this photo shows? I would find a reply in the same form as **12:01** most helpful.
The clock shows **12:36**
